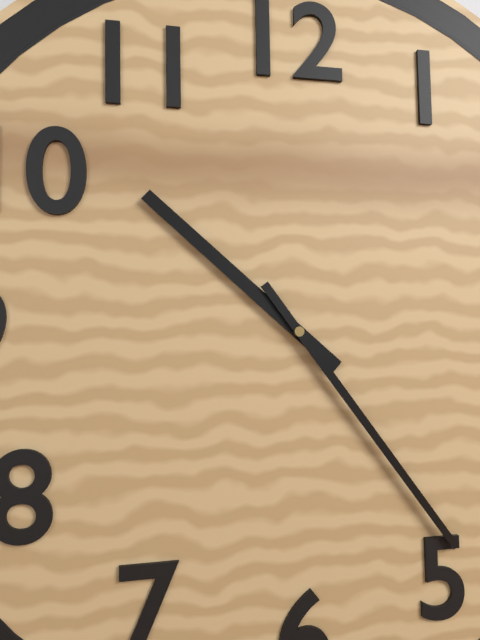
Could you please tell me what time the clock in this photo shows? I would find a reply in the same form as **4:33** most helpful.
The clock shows **10:24**
